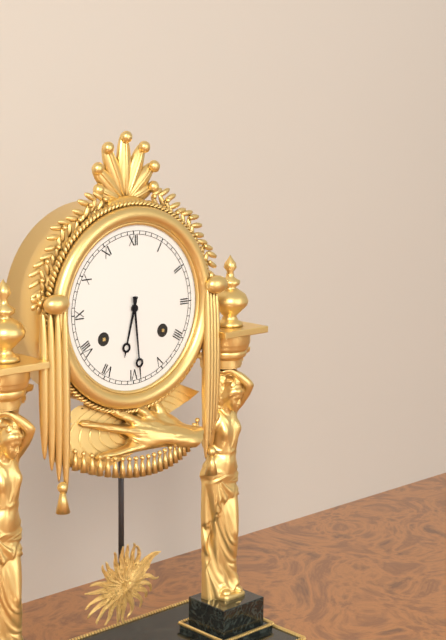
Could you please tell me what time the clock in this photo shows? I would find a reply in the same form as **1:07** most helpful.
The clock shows **6:29**
